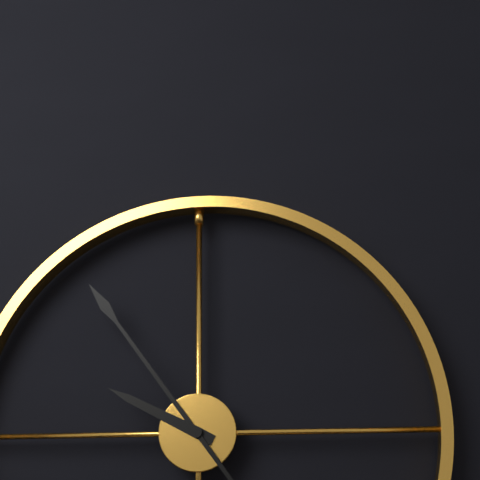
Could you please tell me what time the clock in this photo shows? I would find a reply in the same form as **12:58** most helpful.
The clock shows **9:54**
